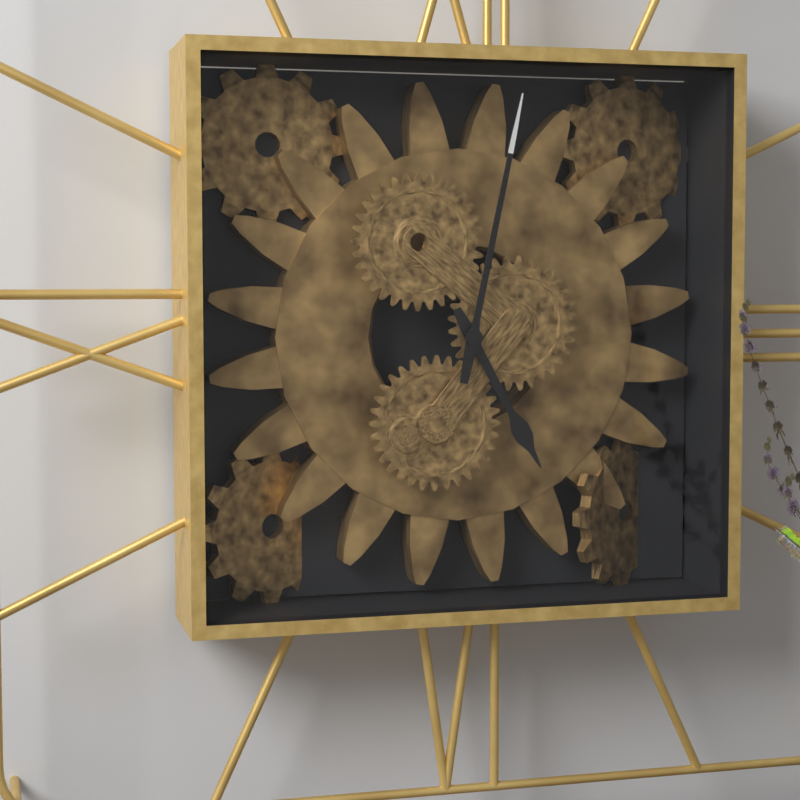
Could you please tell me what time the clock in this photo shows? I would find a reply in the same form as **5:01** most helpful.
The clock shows **5:02**
